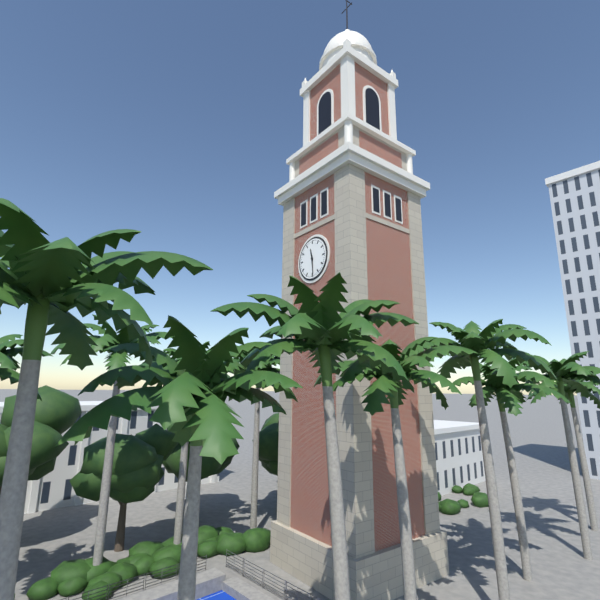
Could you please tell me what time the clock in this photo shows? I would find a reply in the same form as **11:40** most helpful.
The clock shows **11:29**
